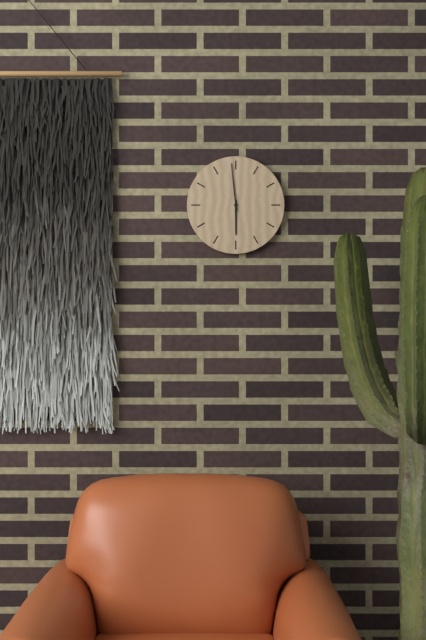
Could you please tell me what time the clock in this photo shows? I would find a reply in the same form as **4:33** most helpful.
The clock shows **5:59**
